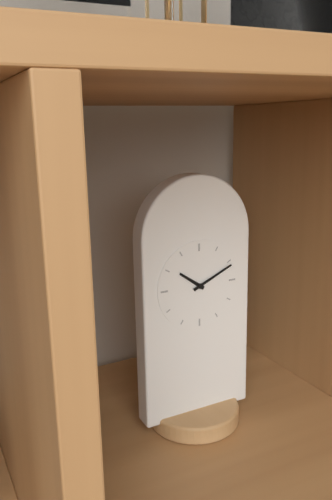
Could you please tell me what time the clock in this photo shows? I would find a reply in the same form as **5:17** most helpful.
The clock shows **10:11**
